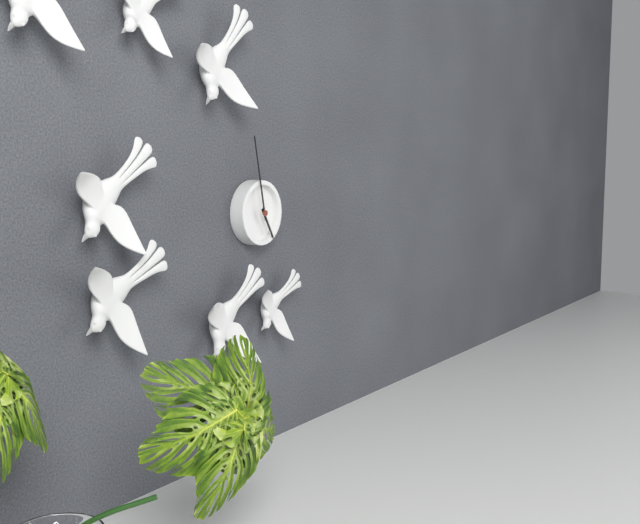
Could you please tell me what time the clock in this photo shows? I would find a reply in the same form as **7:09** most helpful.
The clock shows **4:58**
